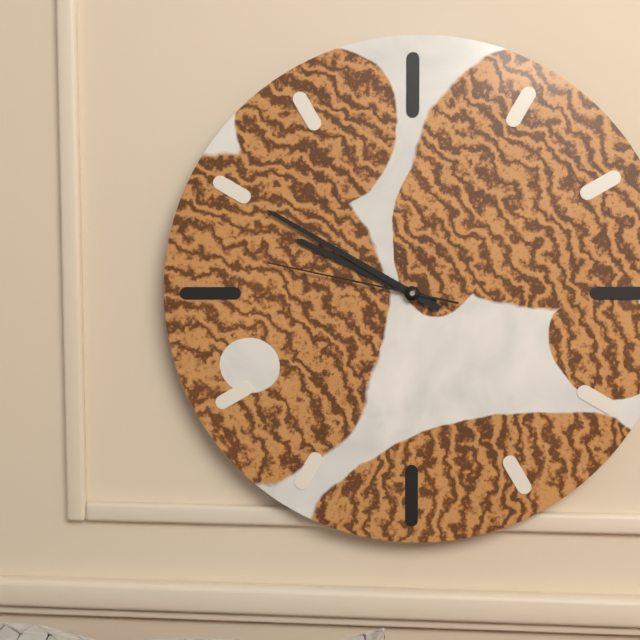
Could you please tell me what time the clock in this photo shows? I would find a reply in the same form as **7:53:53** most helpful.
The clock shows **9:50:47**
